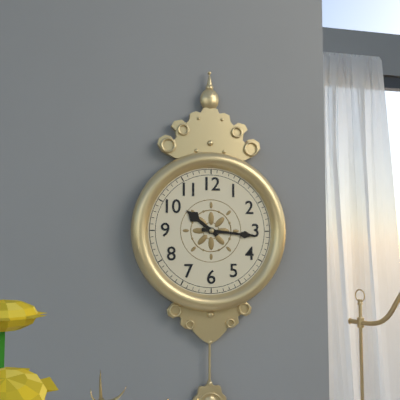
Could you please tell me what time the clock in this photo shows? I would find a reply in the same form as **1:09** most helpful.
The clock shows **10:16**
